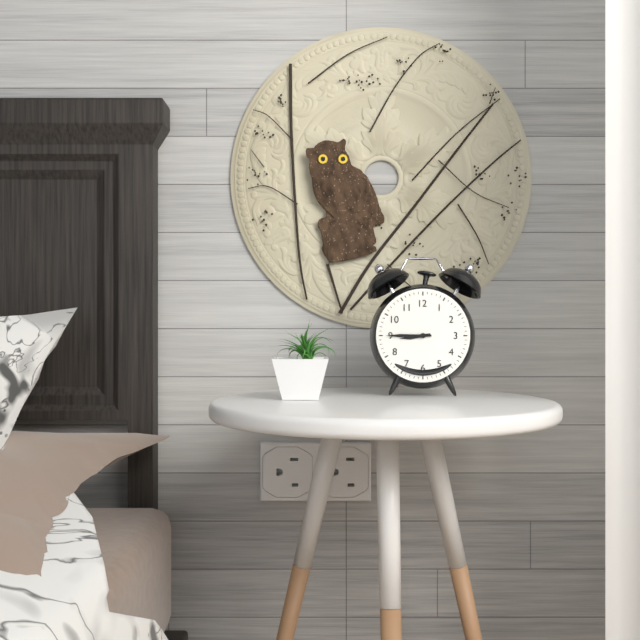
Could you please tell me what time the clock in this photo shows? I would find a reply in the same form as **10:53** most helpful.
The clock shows **8:45**
